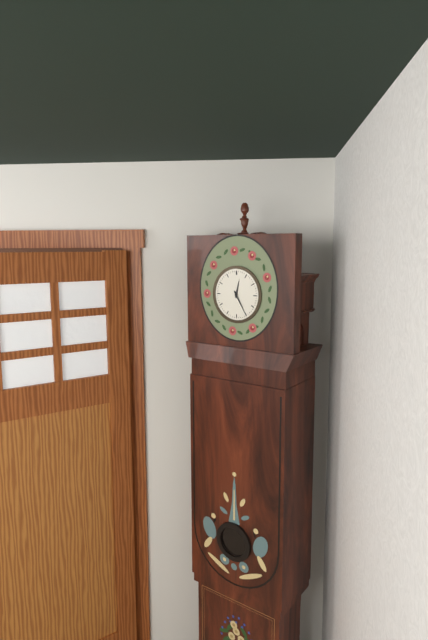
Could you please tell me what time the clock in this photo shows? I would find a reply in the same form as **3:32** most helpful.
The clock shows **12:25**
